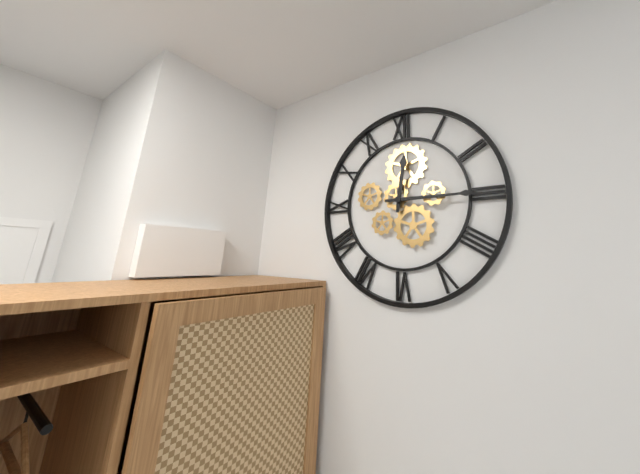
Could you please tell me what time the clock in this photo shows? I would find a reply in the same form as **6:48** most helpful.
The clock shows **12:15**
